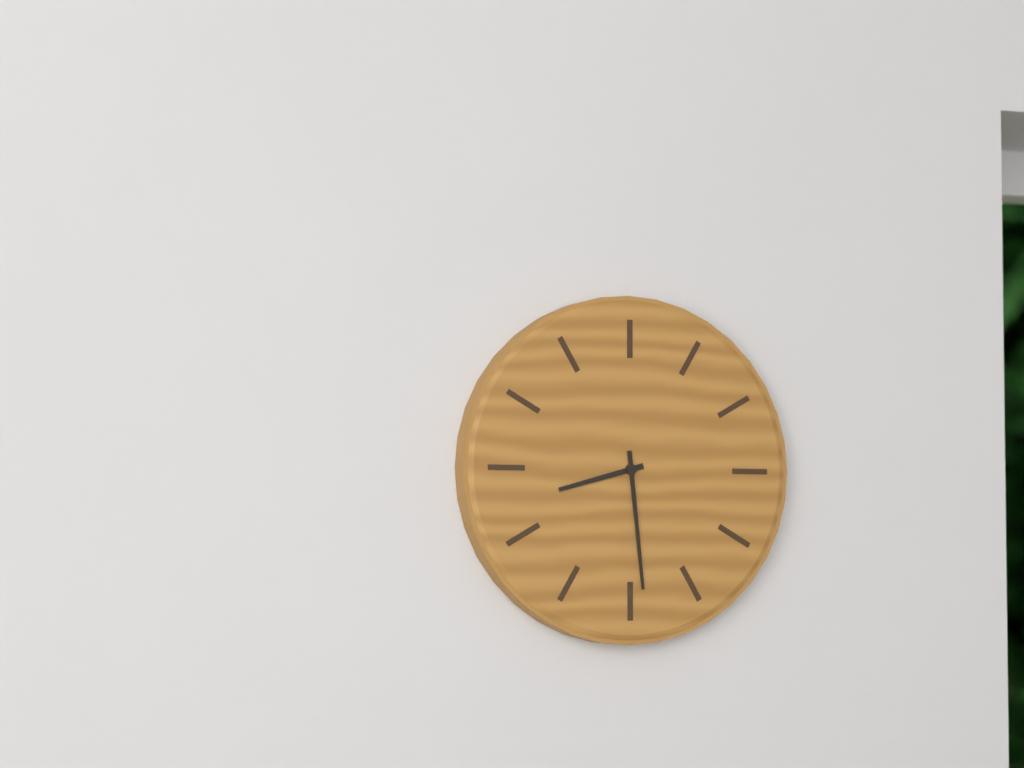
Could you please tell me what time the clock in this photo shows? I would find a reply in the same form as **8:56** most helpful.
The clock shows **8:29**
